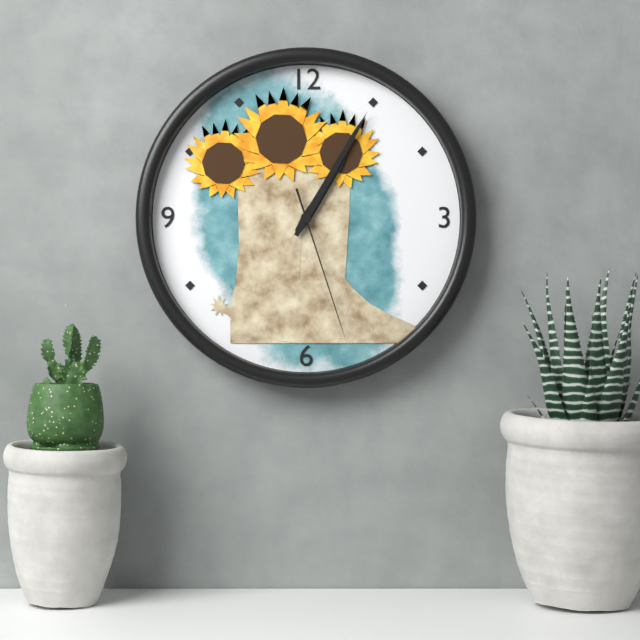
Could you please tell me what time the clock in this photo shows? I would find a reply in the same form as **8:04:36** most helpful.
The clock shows **1:05:27**
